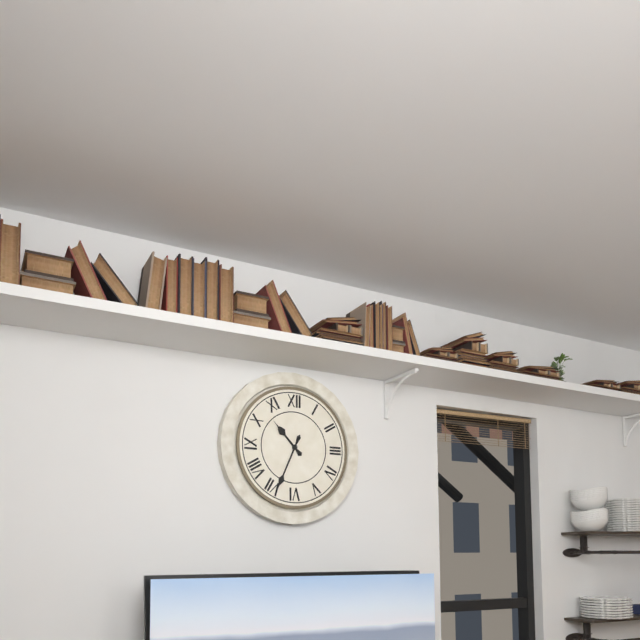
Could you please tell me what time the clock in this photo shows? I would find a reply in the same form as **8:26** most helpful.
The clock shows **10:34**
